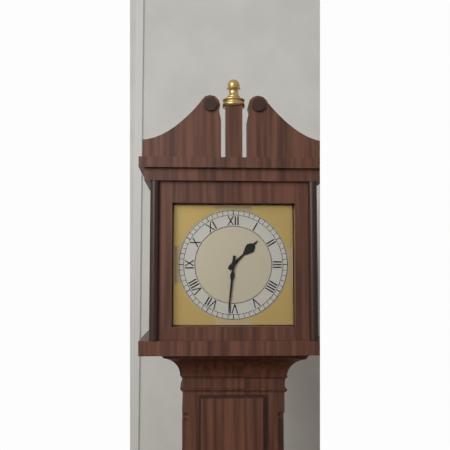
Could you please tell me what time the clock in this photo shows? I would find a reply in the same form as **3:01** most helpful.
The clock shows **1:31**
